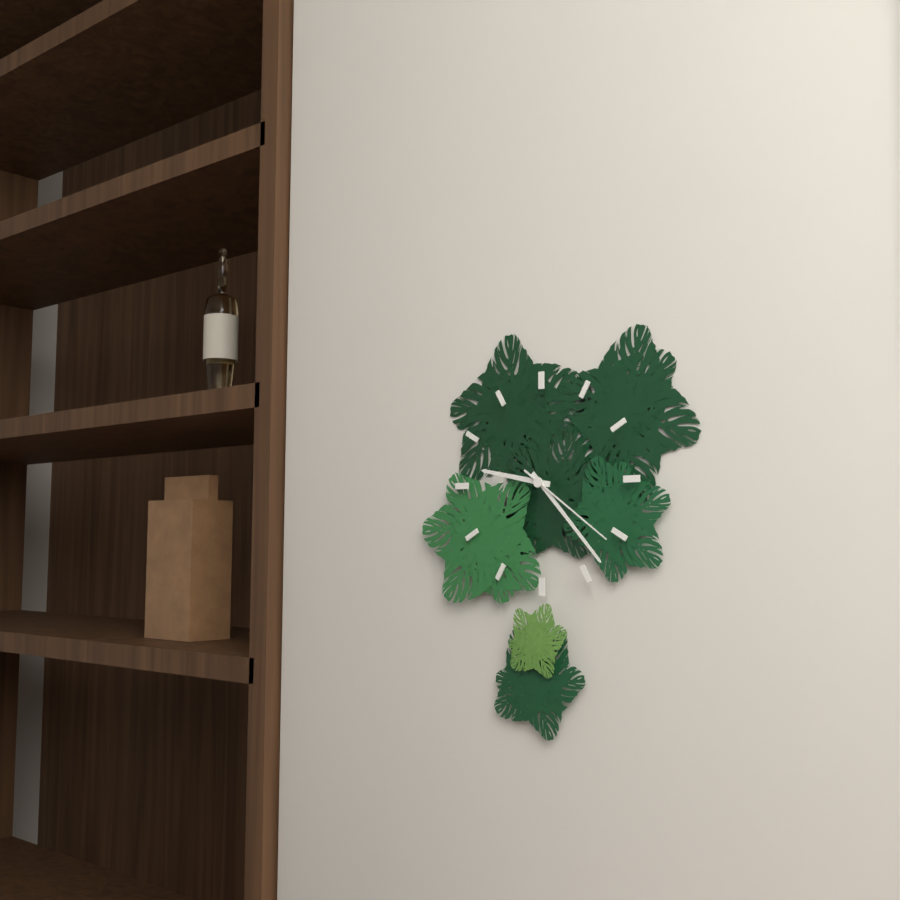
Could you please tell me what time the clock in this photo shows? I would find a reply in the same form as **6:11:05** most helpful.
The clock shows **9:23:21**
